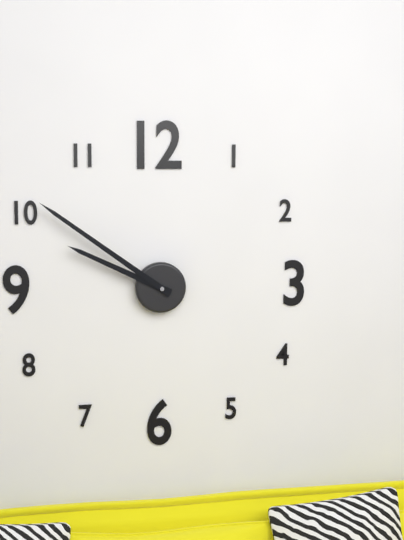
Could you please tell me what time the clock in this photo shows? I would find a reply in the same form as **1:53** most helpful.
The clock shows **9:51**
